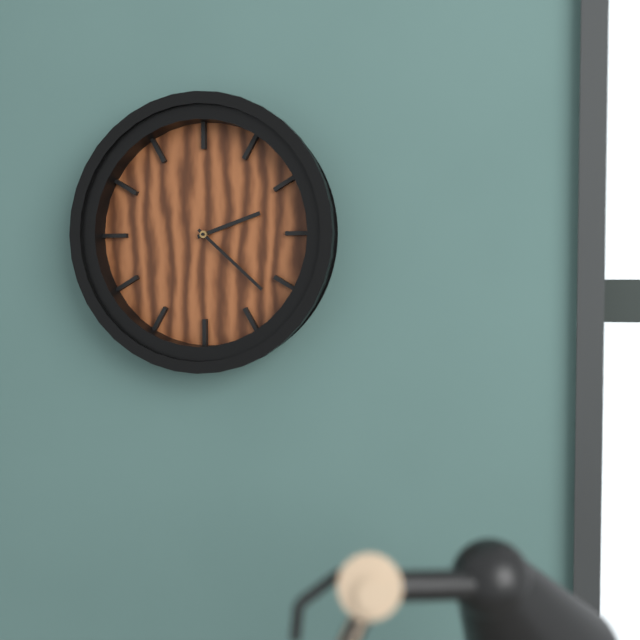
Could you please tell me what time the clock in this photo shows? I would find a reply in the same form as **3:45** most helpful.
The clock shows **2:22**
